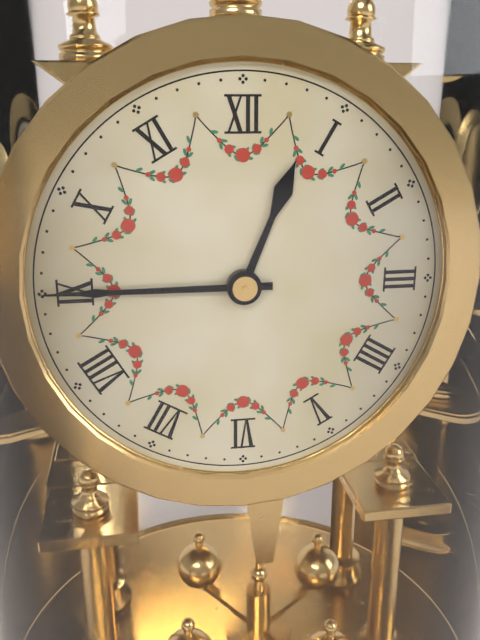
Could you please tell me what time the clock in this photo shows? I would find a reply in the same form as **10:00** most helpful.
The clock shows **12:45**
